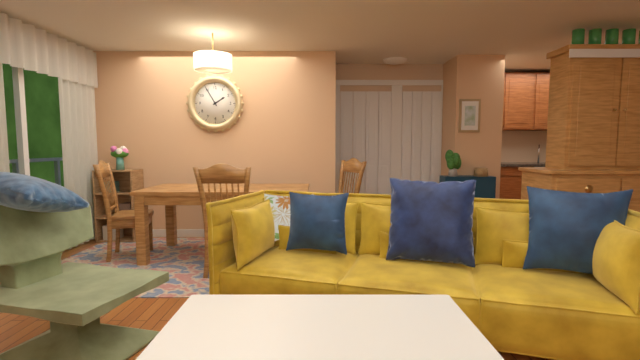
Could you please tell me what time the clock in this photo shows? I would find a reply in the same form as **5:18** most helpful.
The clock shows **1:55**
